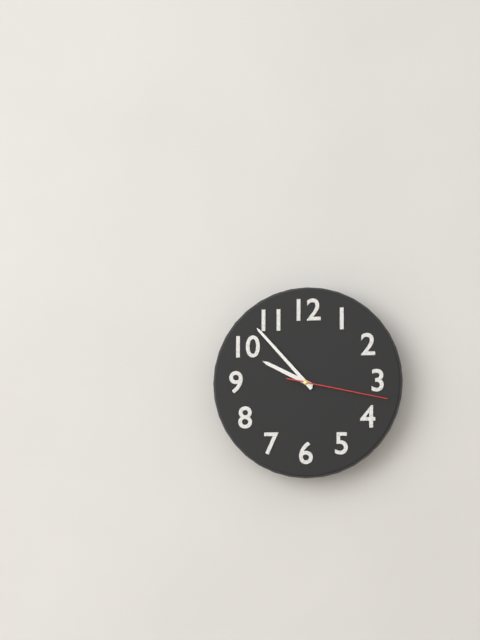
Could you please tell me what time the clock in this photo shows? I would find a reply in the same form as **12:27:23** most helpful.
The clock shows **9:53:17**
